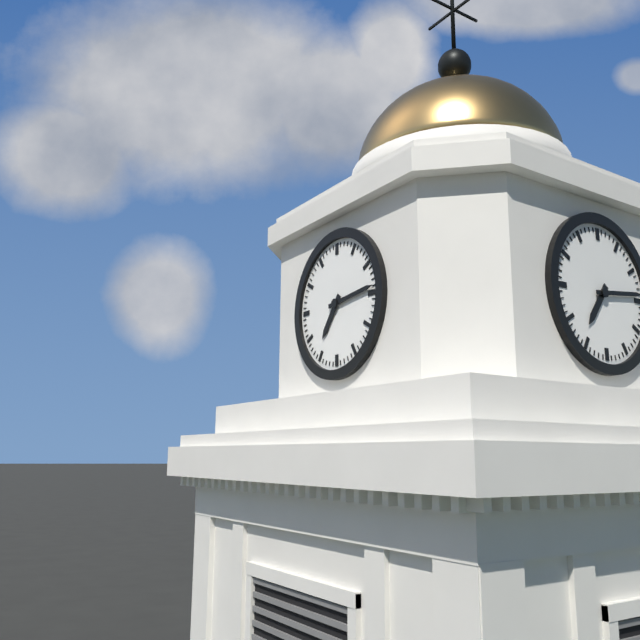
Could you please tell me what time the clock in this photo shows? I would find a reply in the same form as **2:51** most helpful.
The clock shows **7:14**
